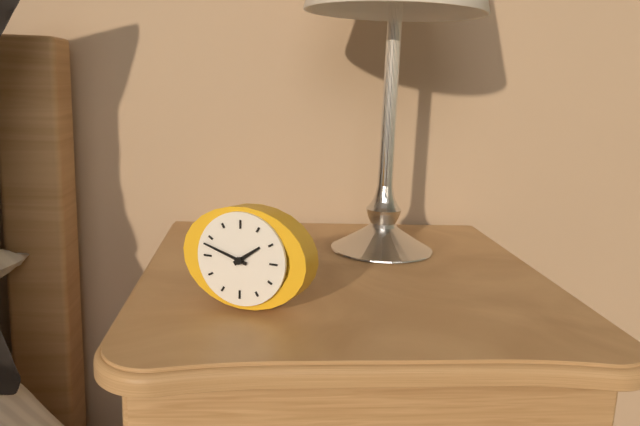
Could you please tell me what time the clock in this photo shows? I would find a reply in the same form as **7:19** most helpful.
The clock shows **1:48**
